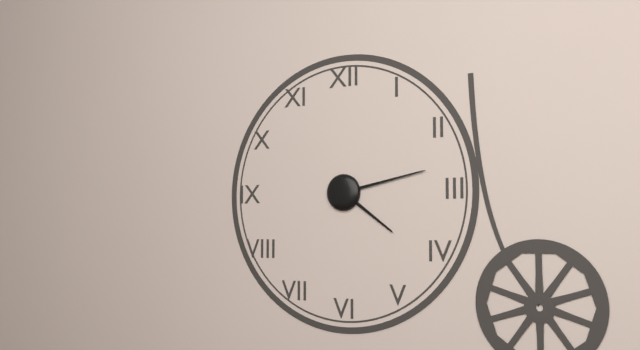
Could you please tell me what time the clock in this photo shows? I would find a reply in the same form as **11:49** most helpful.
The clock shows **4:13**
